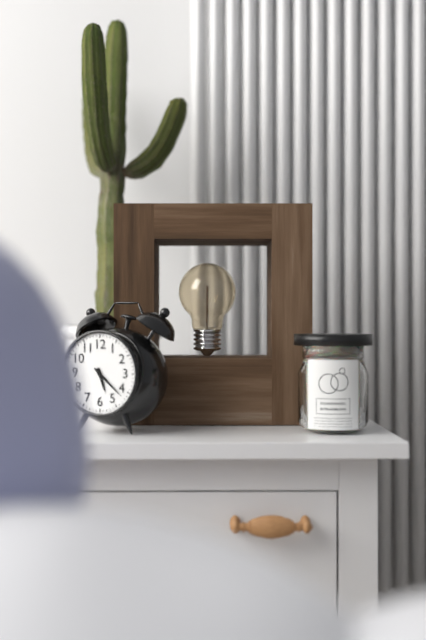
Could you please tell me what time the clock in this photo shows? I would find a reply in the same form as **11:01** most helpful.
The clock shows **5:22**
